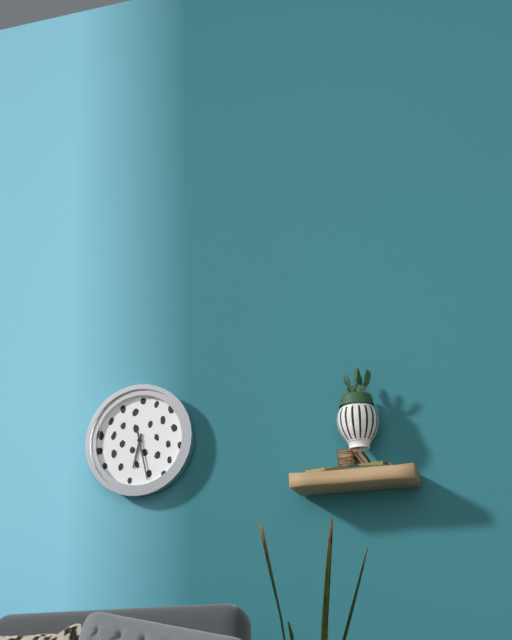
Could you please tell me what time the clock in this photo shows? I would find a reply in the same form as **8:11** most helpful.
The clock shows **6:28**
